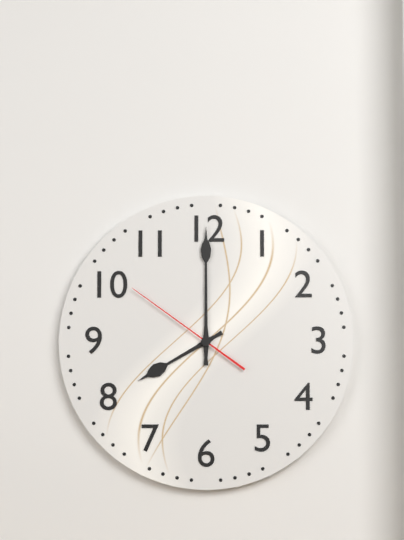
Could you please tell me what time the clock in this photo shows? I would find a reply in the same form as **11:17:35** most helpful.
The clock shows **8:00:51**
